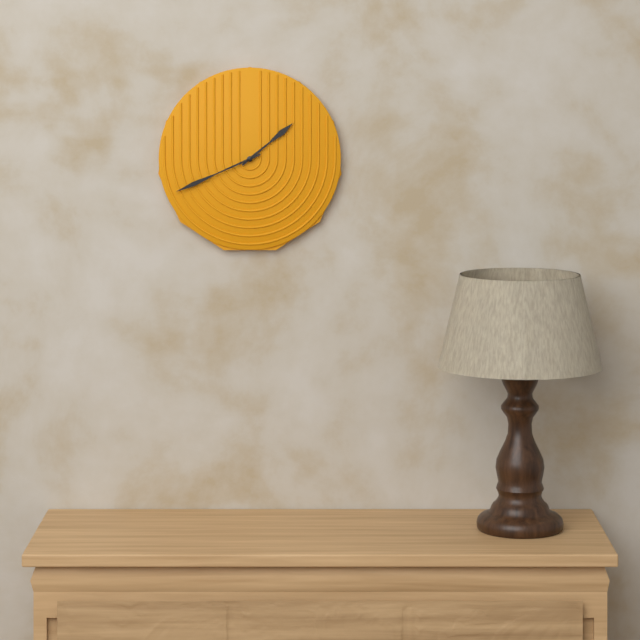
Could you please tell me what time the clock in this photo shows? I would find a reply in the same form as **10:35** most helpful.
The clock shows **1:41**
